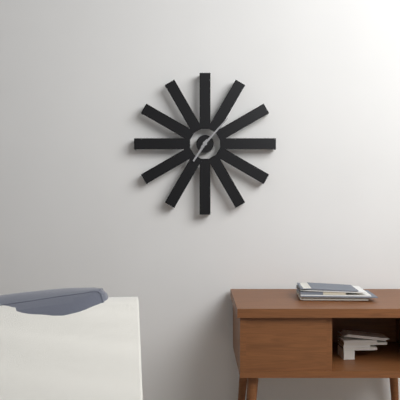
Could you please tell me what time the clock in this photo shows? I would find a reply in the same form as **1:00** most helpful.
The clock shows **7:07**
